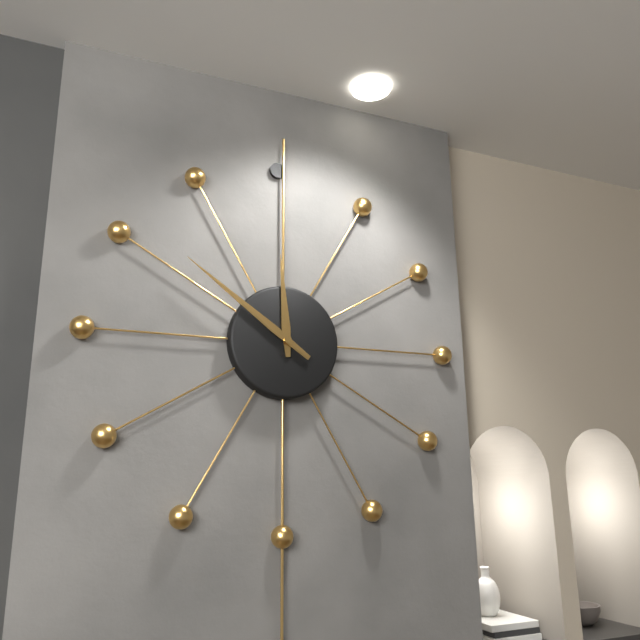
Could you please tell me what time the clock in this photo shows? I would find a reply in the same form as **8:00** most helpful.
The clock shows **11:51**
